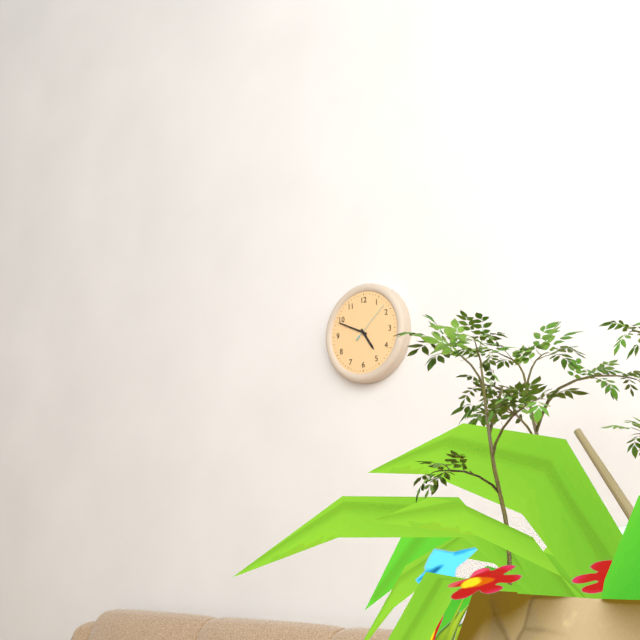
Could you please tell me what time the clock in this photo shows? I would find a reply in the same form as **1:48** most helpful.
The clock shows **4:49**
